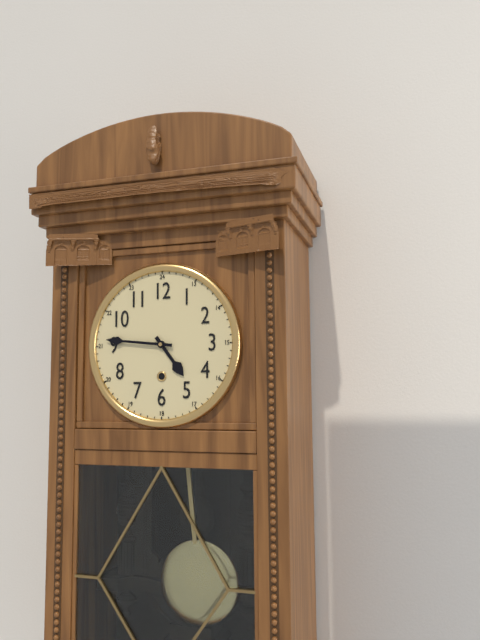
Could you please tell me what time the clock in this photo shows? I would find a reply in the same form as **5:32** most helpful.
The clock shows **4:46**
